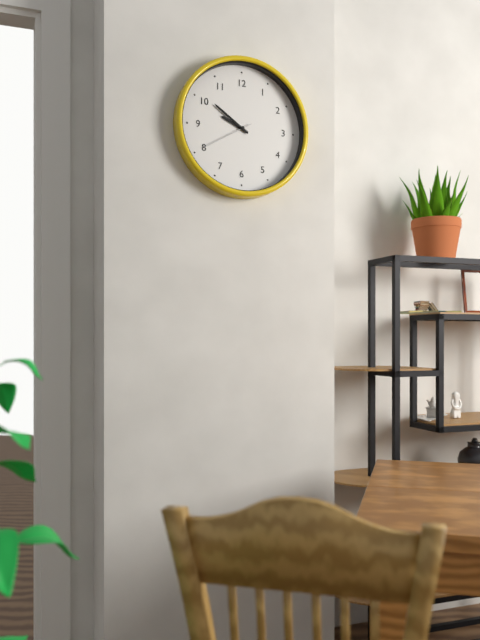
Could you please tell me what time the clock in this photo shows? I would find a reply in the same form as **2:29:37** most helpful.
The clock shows **9:51:40**
